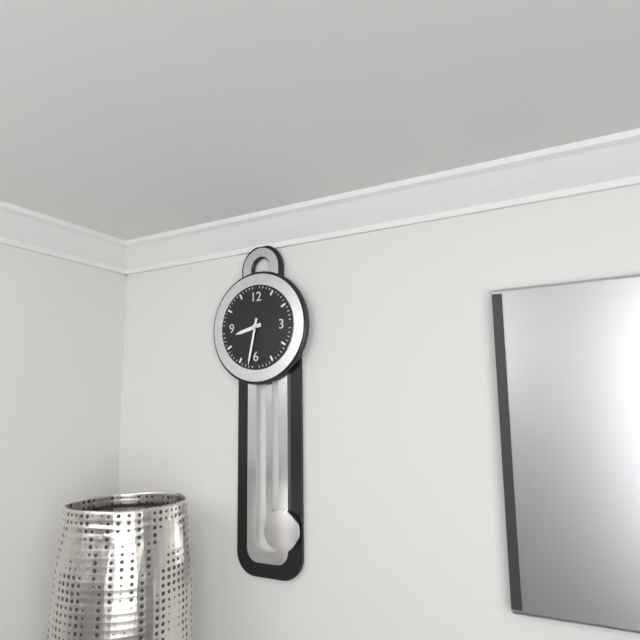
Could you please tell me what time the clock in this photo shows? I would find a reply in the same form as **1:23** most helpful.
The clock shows **8:32**
